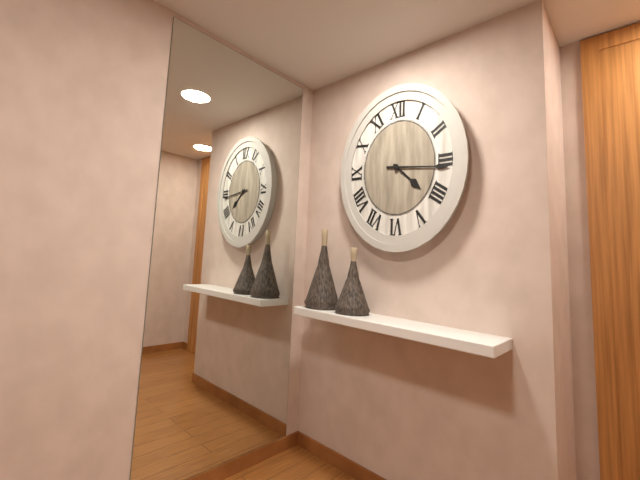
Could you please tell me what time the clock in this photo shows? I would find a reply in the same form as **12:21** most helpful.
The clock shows **4:16**
